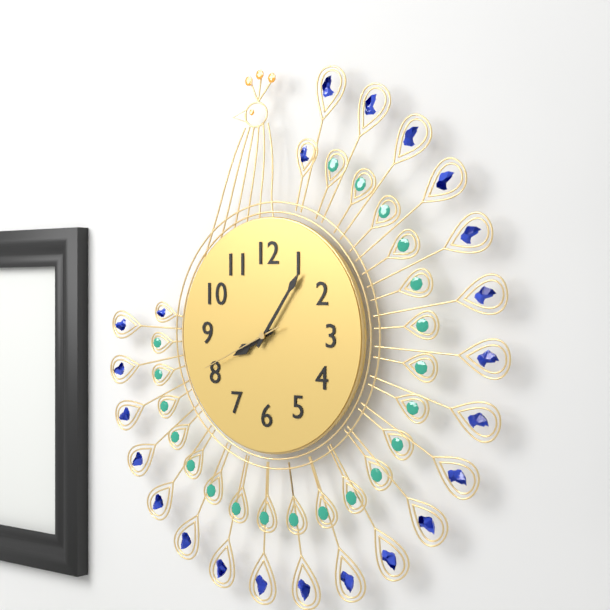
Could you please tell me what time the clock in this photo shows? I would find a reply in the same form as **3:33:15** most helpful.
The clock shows **8:06:41**
